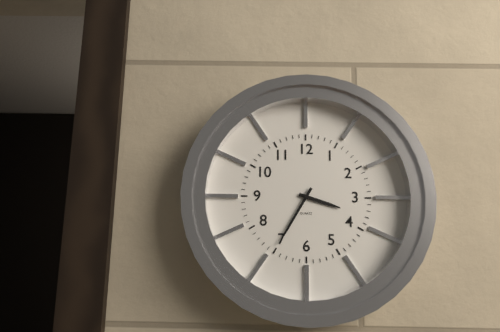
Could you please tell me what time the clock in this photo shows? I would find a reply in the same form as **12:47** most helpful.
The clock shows **3:35**
